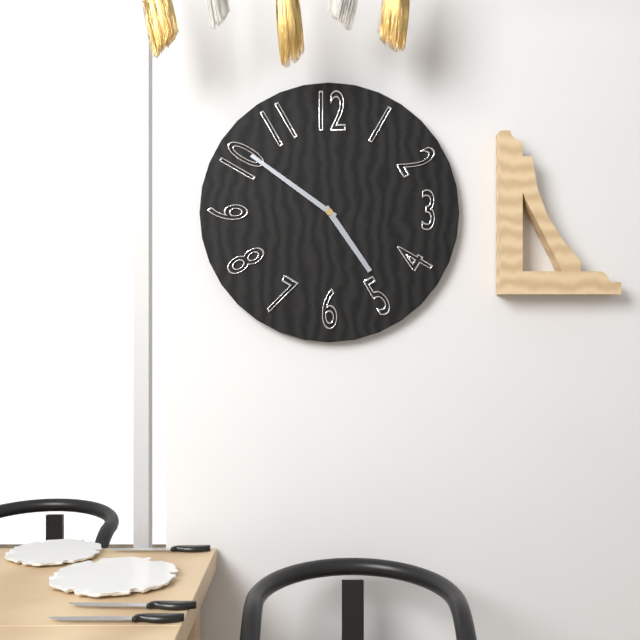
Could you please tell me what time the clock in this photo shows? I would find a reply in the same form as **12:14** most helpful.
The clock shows **4:51**
